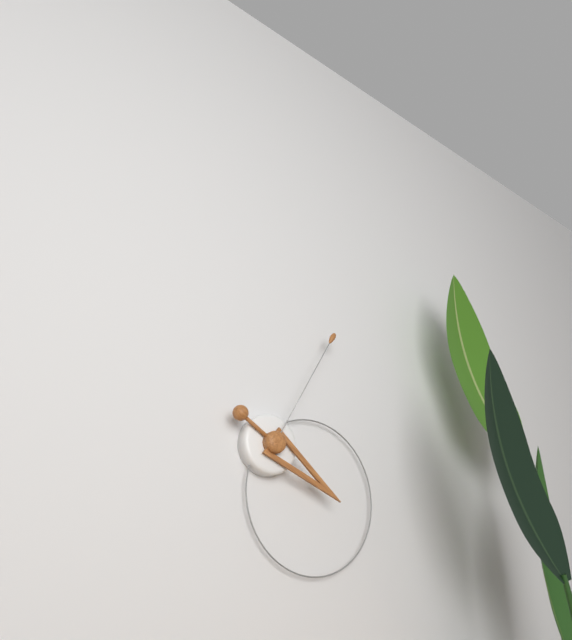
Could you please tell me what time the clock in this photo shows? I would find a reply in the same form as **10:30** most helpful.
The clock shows **4:05**
